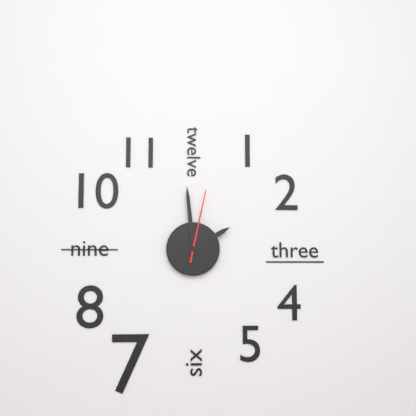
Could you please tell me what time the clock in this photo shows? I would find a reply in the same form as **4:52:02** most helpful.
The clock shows **1:59:02**
